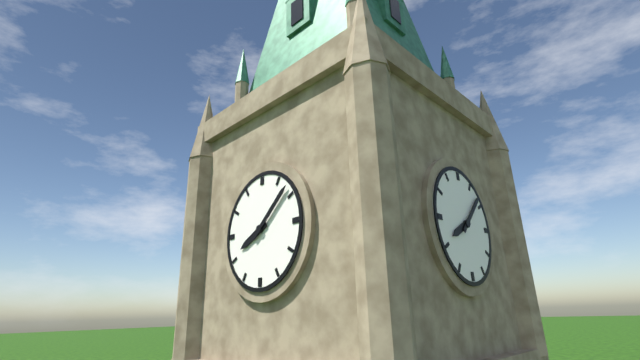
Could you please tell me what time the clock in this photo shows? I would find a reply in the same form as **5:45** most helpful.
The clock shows **8:08**
